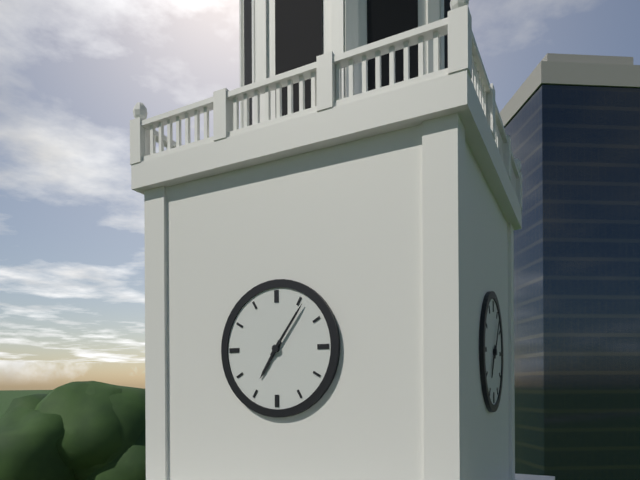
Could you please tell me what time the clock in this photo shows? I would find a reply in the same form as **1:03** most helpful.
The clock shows **7:06**
